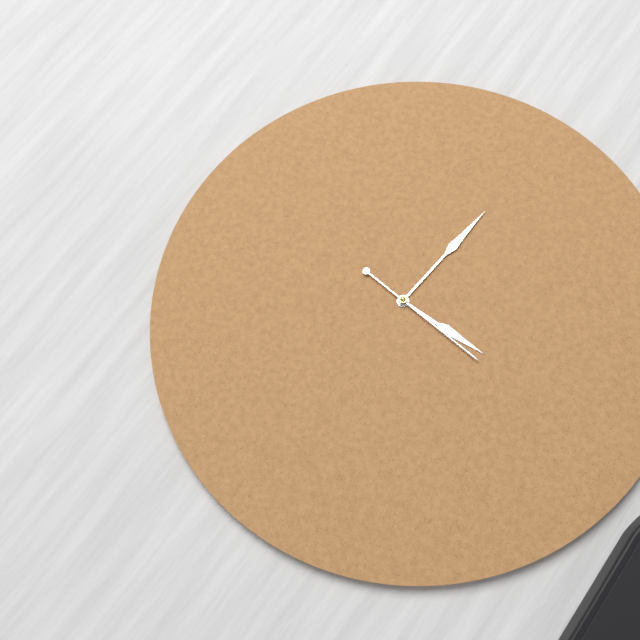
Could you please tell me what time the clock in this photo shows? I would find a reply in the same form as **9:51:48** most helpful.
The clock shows **3:01:16**
